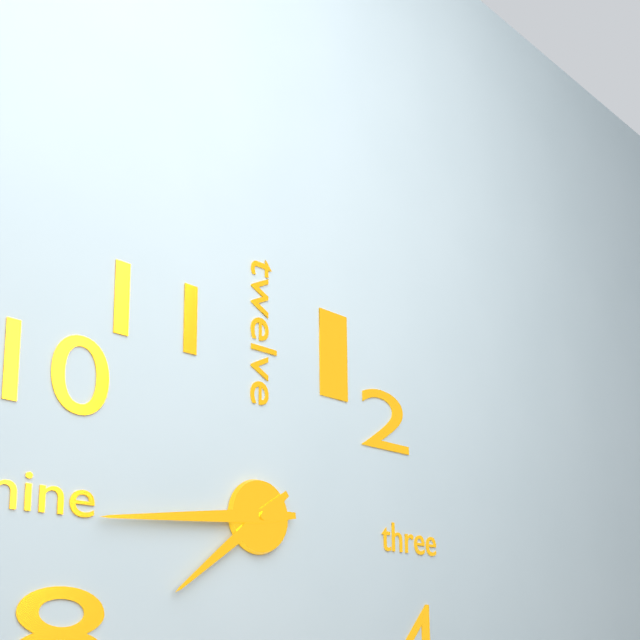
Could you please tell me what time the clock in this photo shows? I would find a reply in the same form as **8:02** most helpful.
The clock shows **7:44**
